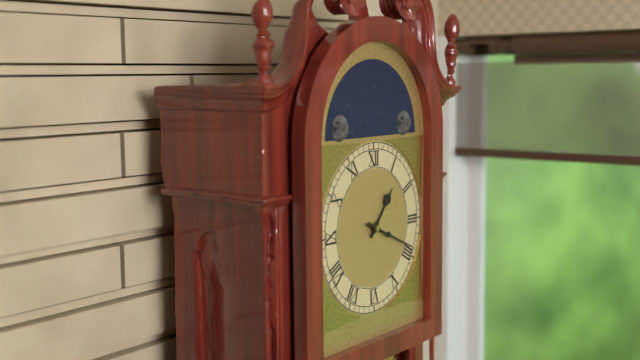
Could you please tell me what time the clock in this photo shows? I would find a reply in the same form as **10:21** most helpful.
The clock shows **1:19**
